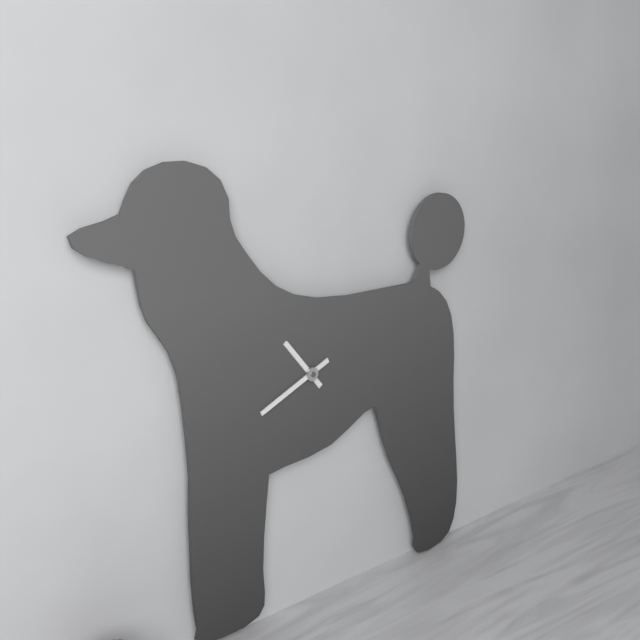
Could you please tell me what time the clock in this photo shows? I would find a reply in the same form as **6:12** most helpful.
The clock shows **10:41**
